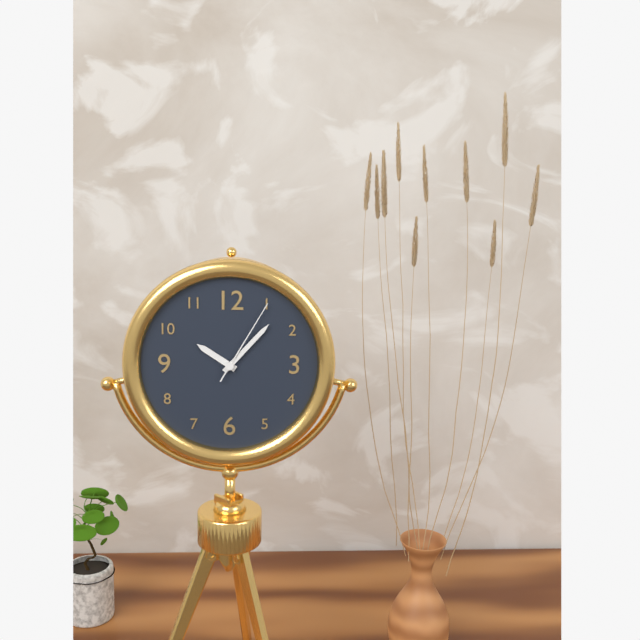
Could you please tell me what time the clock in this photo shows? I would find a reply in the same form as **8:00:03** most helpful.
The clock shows **10:07:05**
